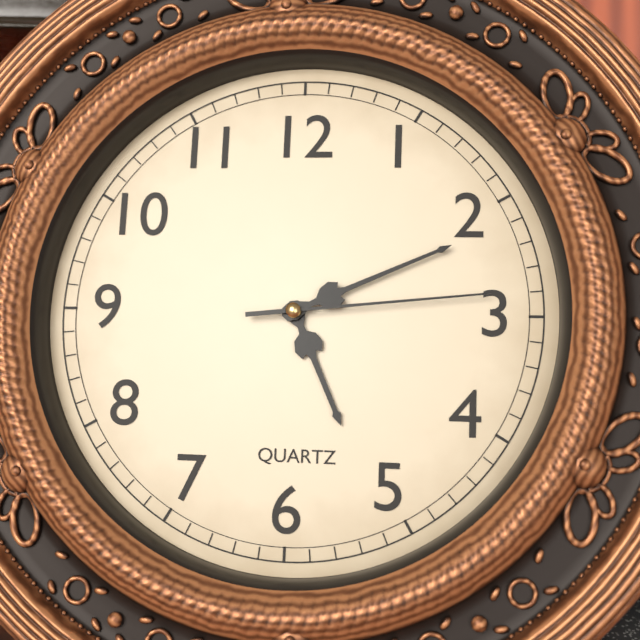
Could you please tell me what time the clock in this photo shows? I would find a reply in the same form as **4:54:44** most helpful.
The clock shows **5:11:14**
